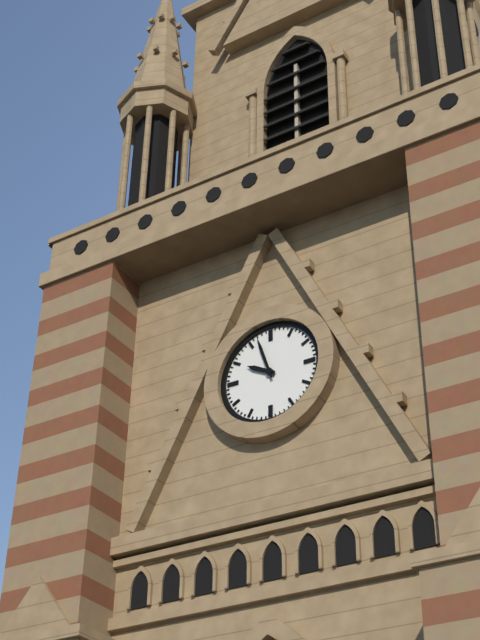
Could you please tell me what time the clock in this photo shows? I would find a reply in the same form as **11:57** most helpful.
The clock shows **9:57**
